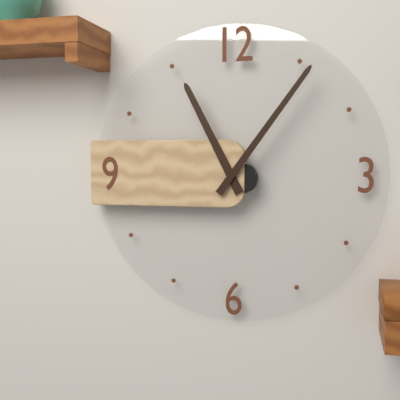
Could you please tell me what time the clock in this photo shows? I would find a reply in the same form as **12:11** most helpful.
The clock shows **11:06**
